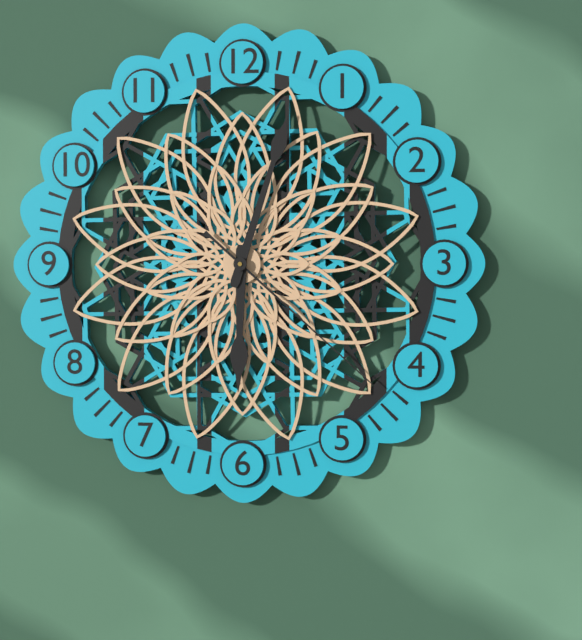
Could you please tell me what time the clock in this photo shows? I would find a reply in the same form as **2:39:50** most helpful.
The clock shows **6:03:22**
